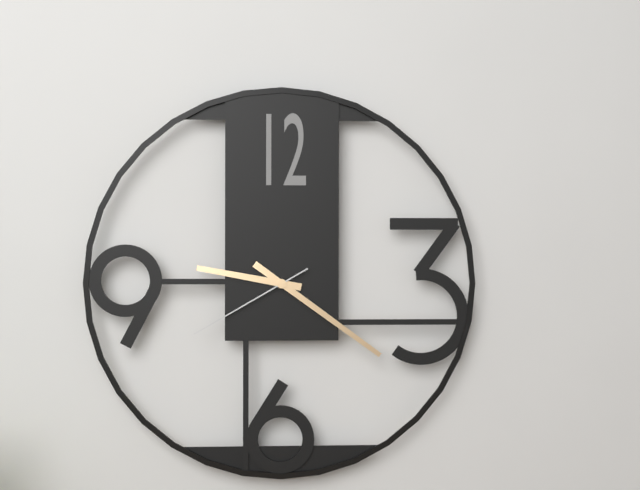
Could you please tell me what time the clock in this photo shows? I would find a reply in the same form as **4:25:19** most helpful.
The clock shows **9:21:40**
